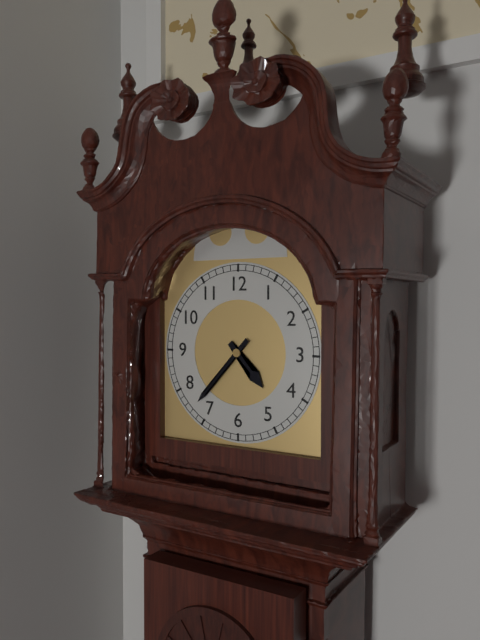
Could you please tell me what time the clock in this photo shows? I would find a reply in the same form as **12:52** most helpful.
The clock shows **4:37**
